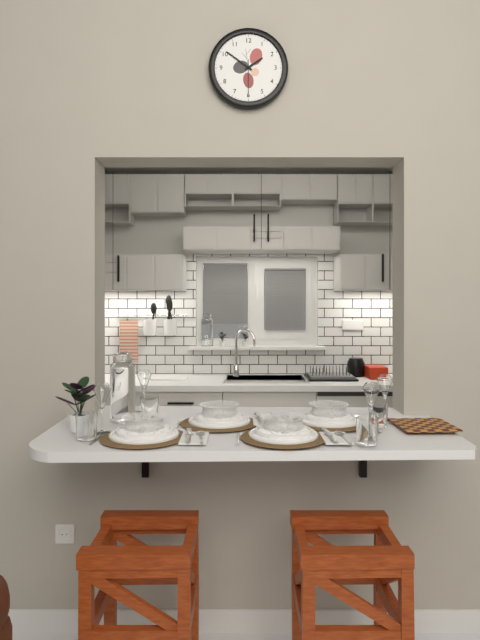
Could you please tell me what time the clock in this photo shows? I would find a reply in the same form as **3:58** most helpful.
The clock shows **1:51**
